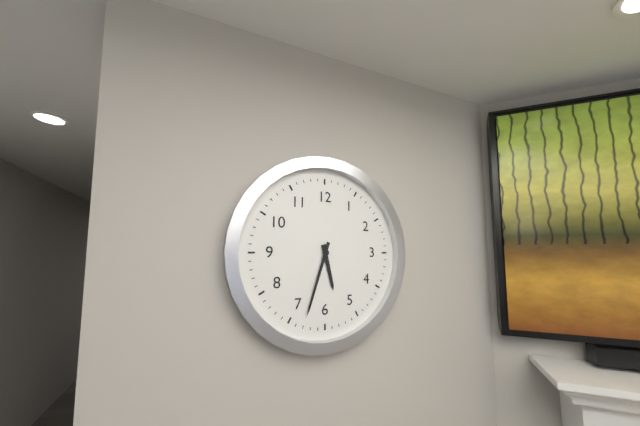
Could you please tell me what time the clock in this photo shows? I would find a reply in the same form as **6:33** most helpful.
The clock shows **5:33**
